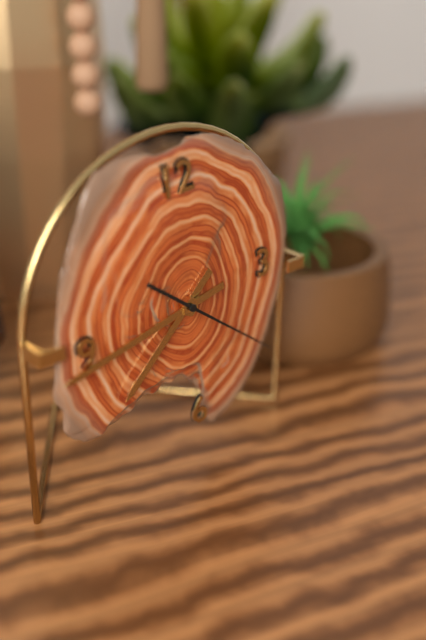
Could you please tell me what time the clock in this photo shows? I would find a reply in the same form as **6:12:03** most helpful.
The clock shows **7:44:22**
